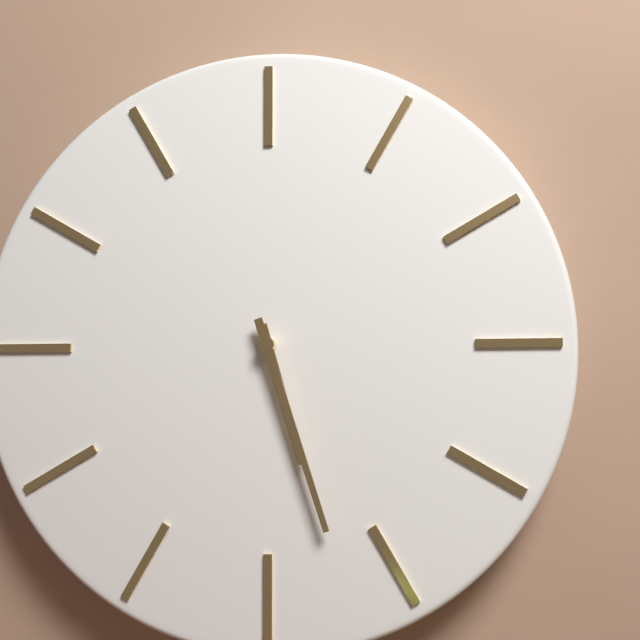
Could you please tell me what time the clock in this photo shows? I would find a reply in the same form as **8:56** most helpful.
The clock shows **5:27**
